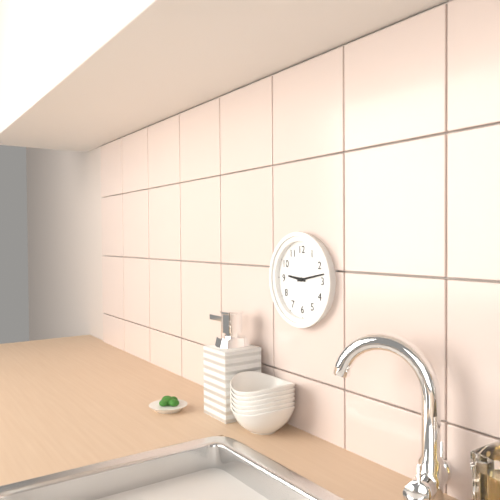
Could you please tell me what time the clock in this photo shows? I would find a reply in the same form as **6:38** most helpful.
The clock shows **9:13**
